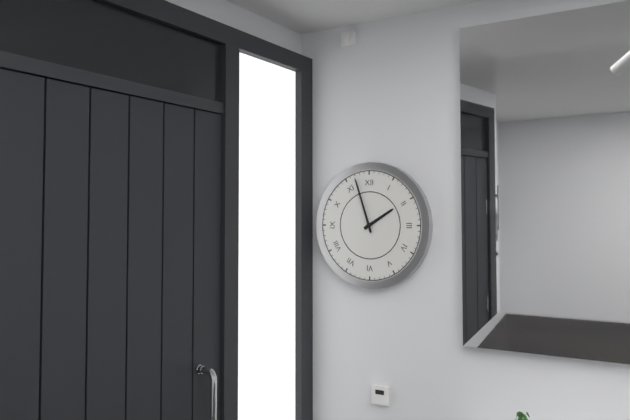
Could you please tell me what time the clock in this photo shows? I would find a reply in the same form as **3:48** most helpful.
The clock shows **1:57**
